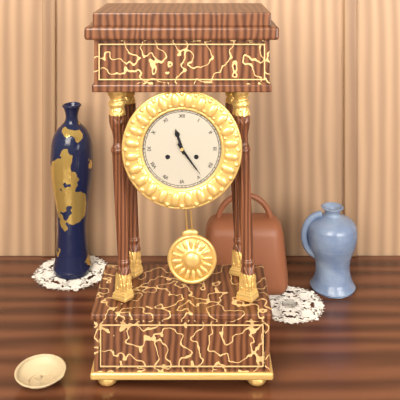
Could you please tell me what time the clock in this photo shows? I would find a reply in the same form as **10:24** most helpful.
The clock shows **11:24**
